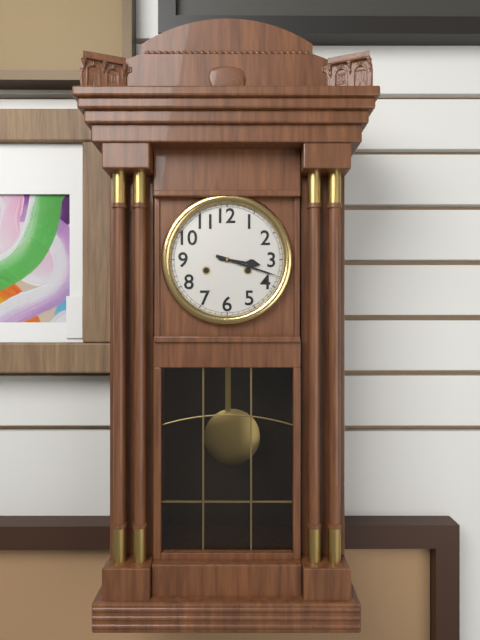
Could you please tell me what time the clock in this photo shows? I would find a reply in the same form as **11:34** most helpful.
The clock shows **3:18**
